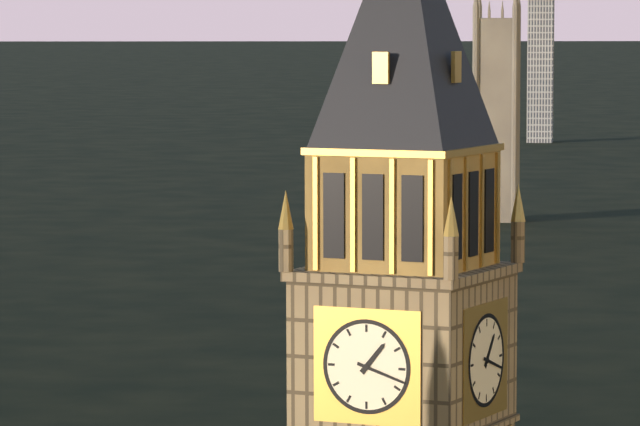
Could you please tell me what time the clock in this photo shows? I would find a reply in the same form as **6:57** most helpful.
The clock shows **1:18**
